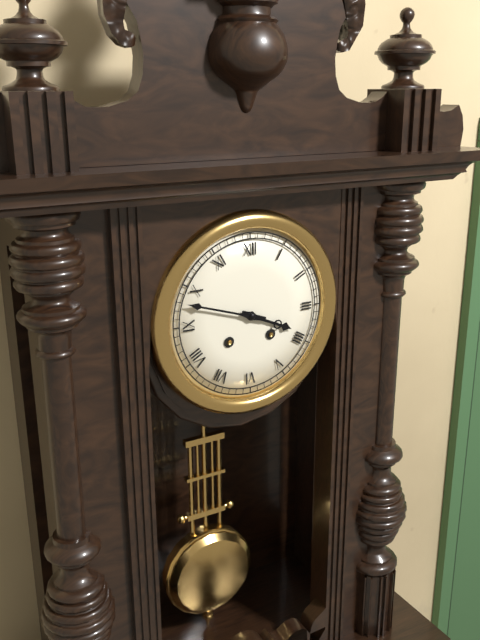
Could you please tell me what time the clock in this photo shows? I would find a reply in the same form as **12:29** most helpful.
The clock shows **3:48**
